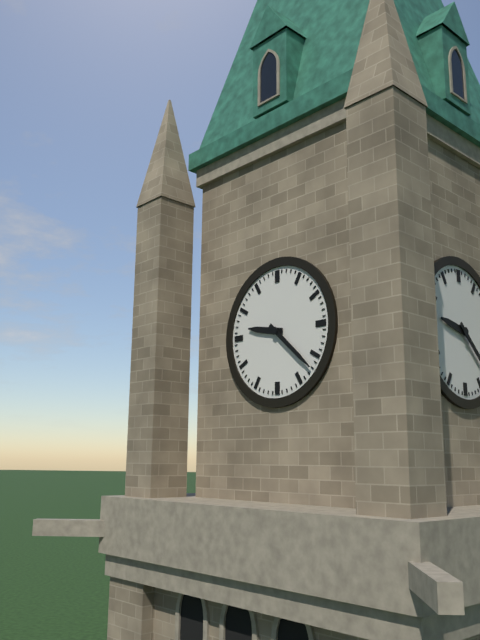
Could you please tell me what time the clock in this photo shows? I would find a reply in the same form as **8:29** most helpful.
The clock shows **9:22**
